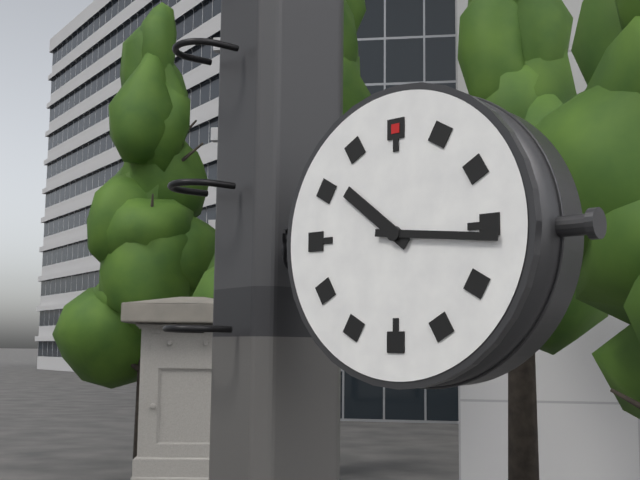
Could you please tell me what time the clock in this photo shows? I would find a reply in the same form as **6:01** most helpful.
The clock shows **10:16**
